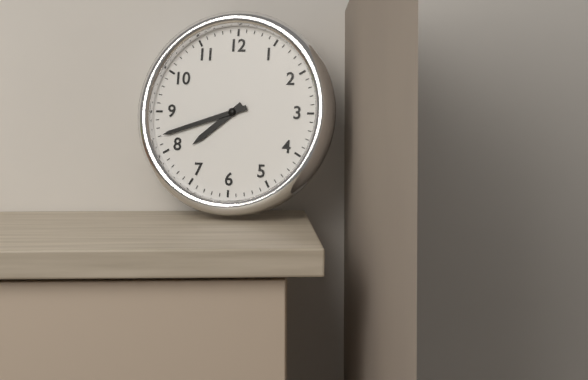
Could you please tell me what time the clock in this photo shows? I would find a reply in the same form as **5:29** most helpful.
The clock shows **7:42**
